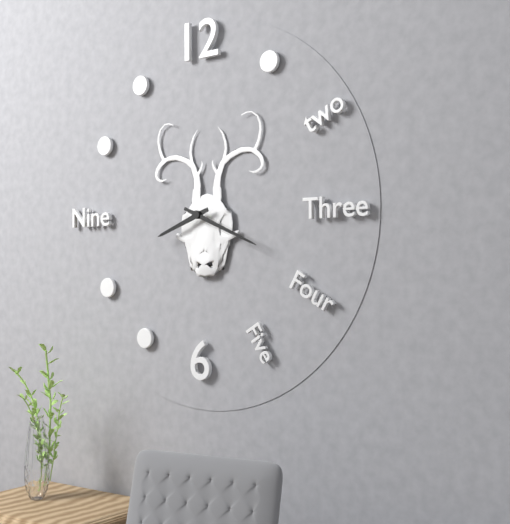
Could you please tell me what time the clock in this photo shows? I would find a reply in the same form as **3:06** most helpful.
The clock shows **8:19**
